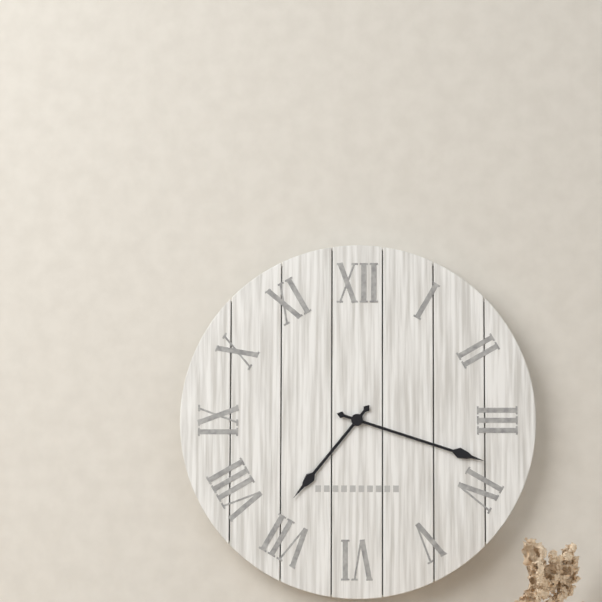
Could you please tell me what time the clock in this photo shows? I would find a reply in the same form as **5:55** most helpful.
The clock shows **7:18**
